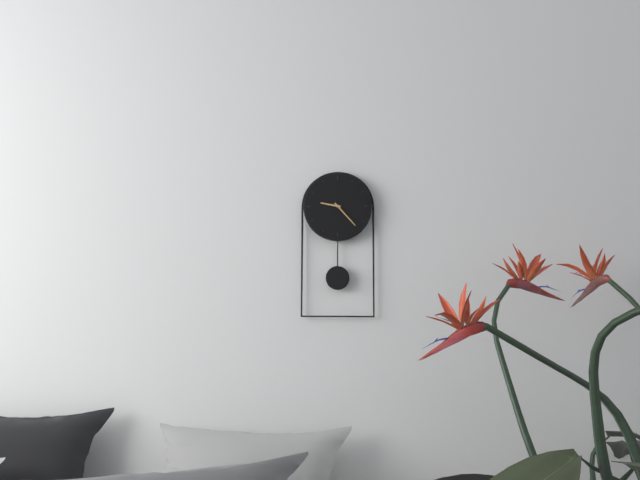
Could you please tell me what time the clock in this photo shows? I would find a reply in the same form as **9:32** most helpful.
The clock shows **9:23**
